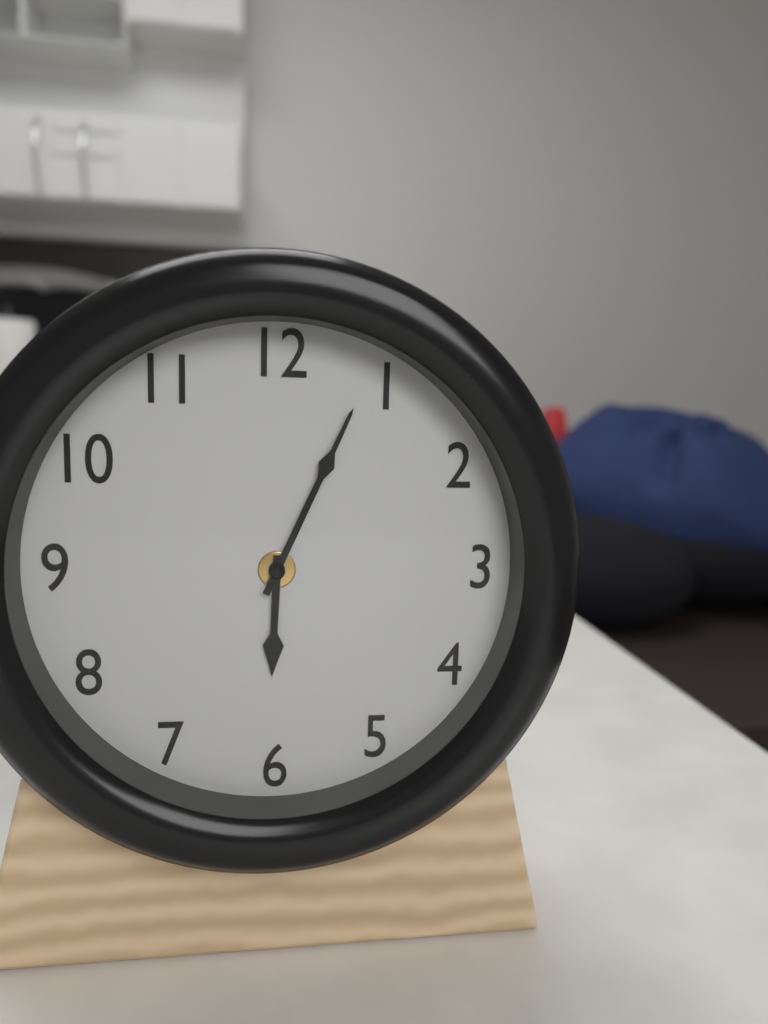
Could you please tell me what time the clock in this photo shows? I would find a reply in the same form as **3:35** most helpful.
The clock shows **6:04**
